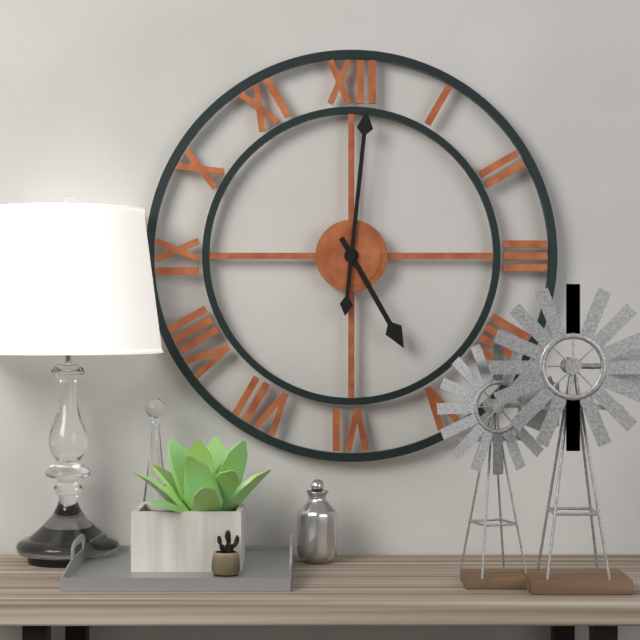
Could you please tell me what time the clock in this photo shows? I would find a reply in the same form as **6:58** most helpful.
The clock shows **5:01**
